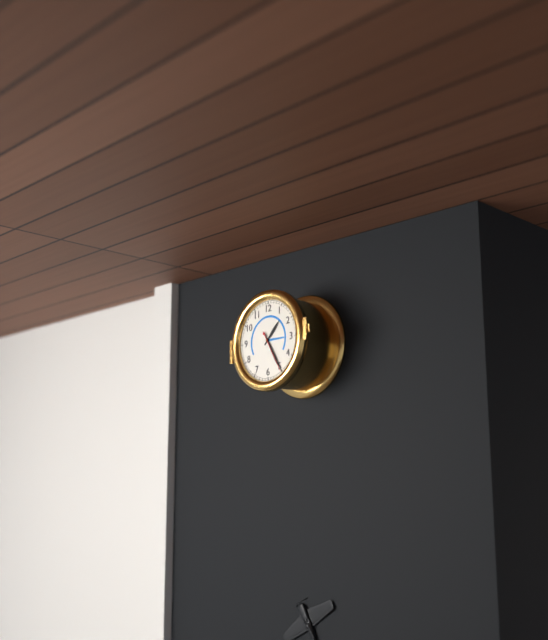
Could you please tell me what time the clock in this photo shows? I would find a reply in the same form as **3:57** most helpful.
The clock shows **1:25**
